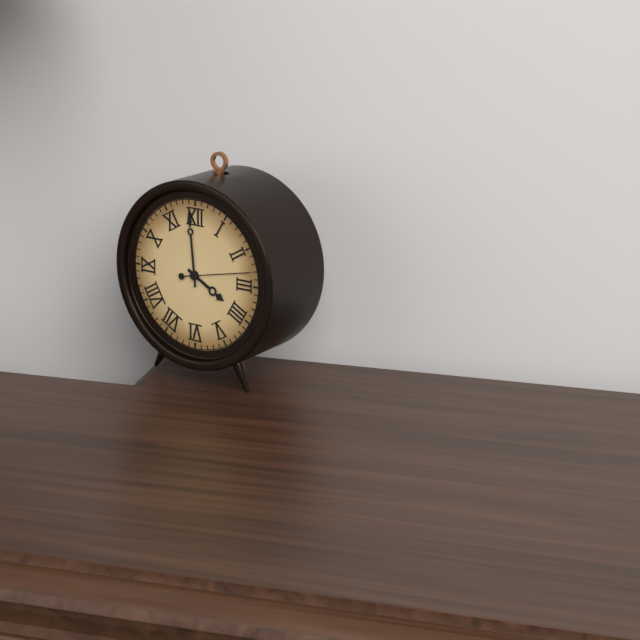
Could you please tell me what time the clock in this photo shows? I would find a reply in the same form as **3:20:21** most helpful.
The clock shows **3:59:13**
